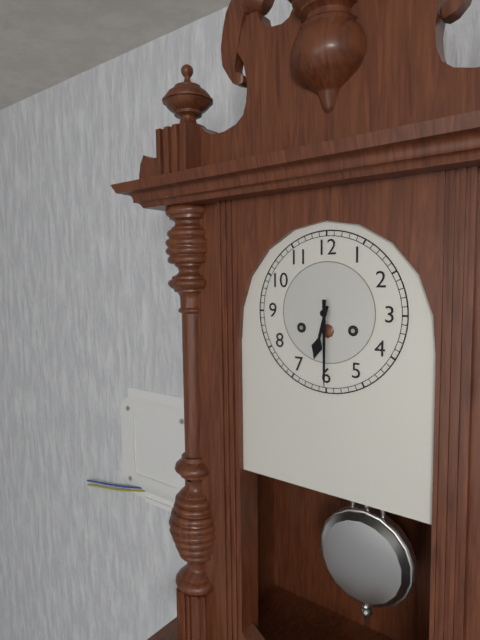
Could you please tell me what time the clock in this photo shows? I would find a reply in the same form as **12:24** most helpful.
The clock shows **6:30**
